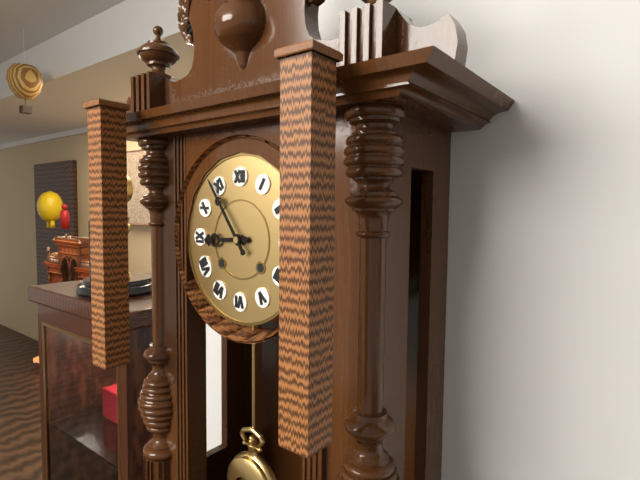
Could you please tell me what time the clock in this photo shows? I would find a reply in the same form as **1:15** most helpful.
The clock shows **8:54**
